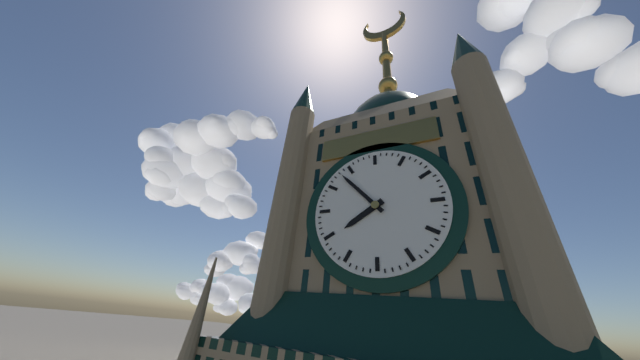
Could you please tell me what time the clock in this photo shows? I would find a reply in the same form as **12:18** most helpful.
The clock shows **7:53**
